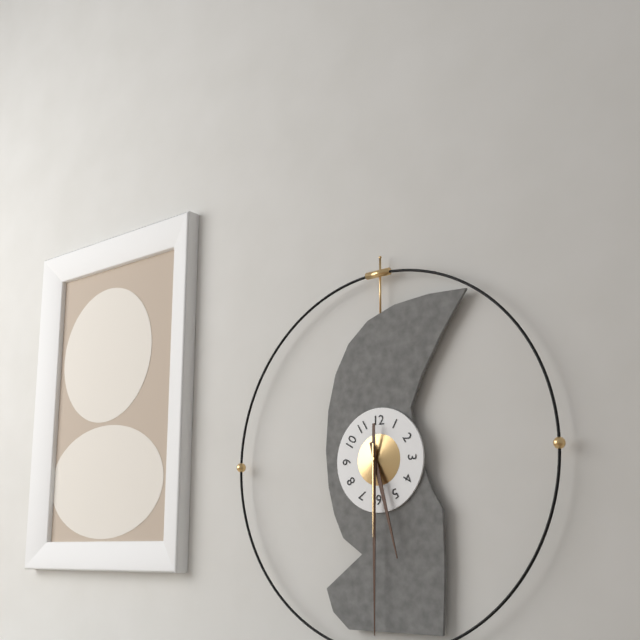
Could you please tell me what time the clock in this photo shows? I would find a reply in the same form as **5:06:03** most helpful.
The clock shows **5:30:30**
